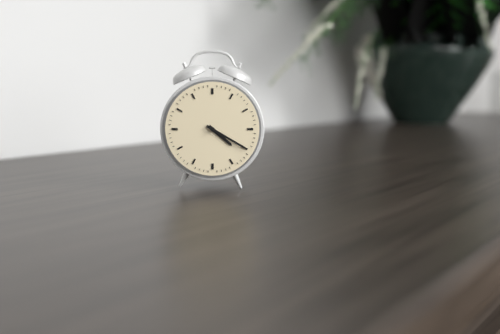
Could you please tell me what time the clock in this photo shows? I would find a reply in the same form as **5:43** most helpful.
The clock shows **4:20**
